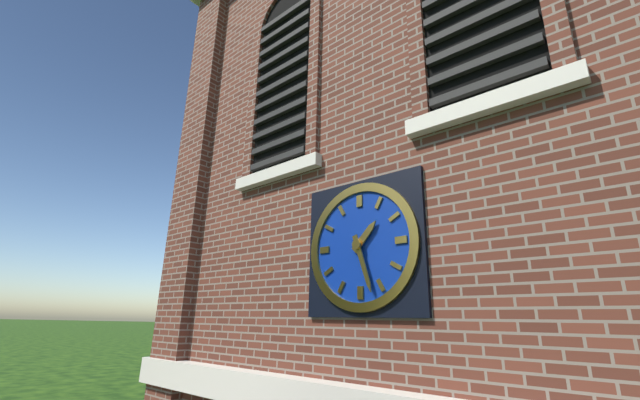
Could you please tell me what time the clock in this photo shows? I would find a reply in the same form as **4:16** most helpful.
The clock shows **1:27**
